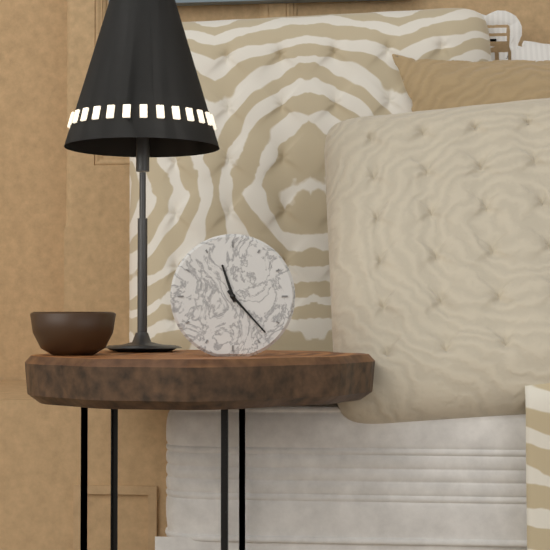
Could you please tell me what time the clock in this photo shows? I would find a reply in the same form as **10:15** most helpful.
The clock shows **11:23**
